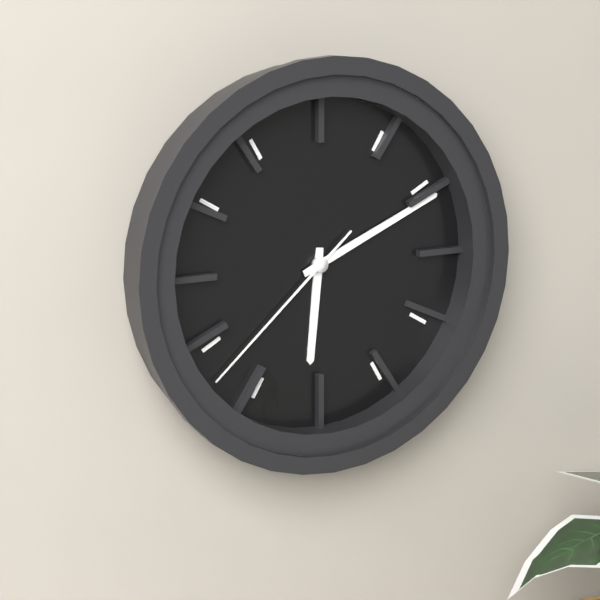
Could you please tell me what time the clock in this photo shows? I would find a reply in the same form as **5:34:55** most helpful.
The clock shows **6:11:38**
